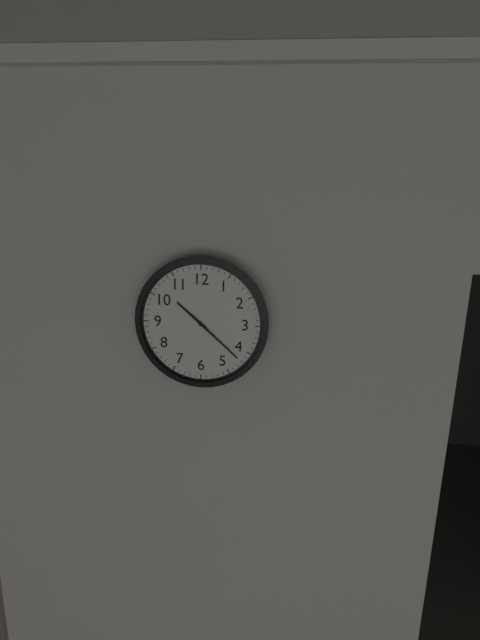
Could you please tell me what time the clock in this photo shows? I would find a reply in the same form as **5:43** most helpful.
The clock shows **10:22**
